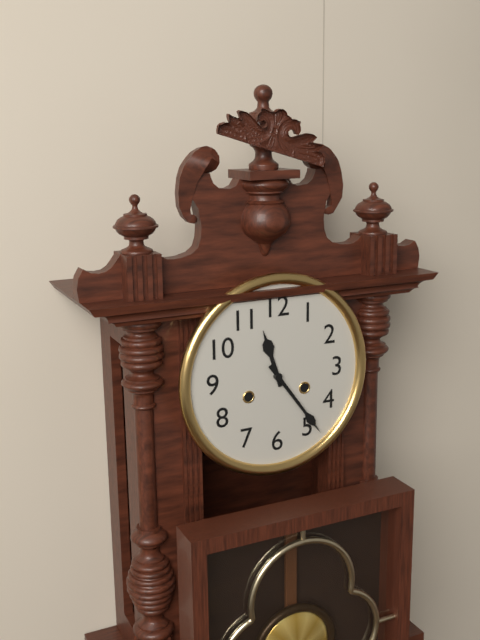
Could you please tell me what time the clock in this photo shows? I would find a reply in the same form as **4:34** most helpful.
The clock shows **11:24**
